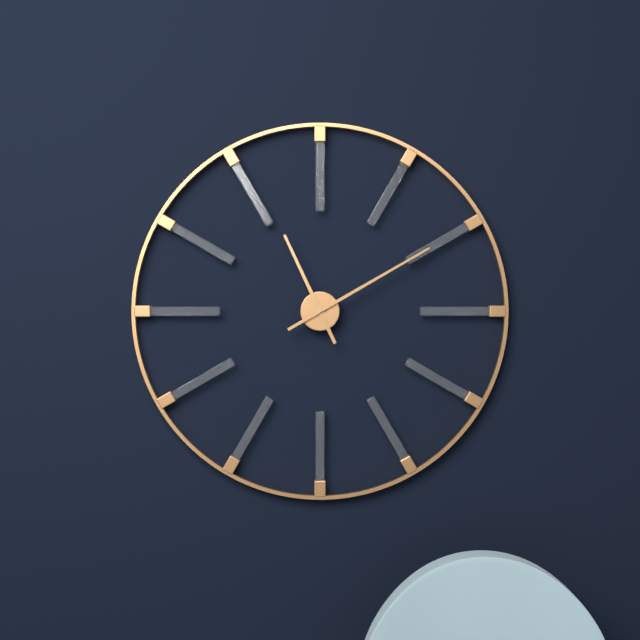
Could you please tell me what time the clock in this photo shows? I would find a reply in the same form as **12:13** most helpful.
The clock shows **11:10**
